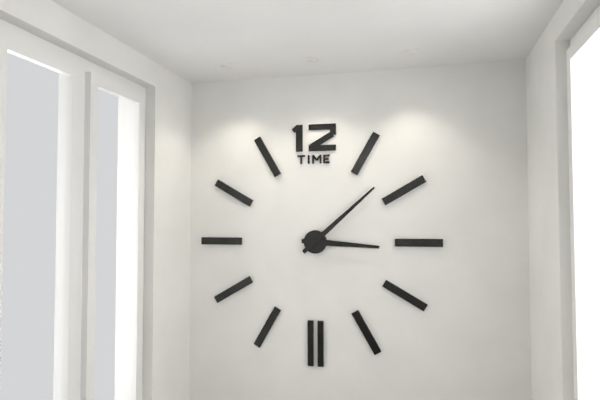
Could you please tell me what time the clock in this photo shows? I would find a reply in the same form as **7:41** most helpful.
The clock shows **3:08**
